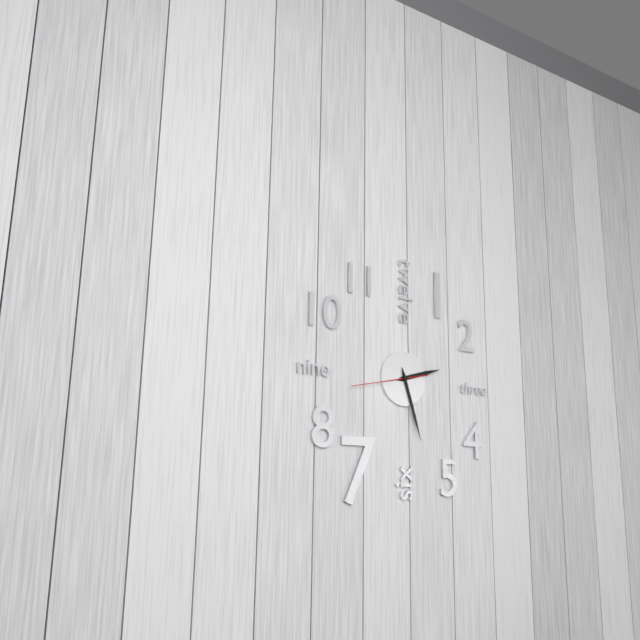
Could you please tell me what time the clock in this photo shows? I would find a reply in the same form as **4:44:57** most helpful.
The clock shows **2:27:43**
